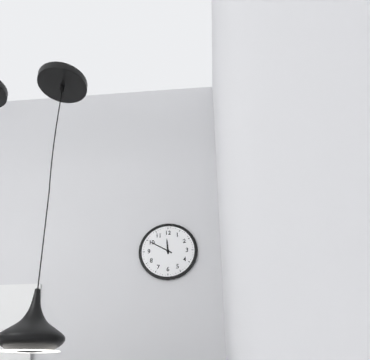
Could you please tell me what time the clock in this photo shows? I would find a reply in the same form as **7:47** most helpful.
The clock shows **11:50**
